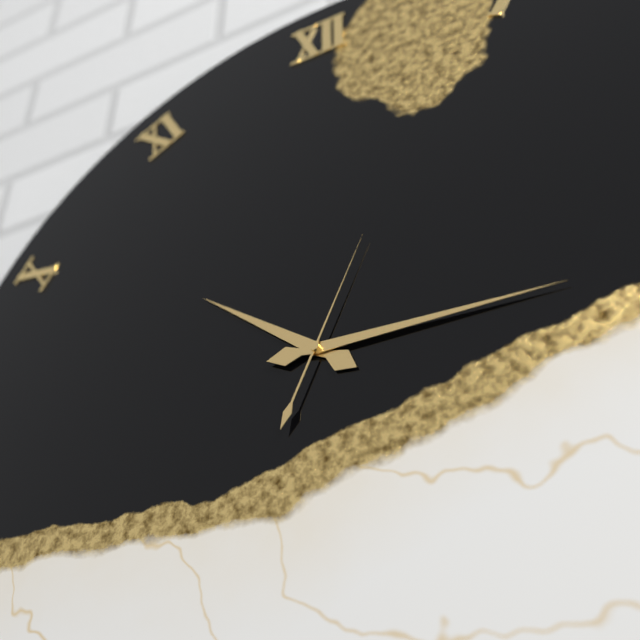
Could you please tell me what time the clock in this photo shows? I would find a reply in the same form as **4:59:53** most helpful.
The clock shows **10:15:04**
